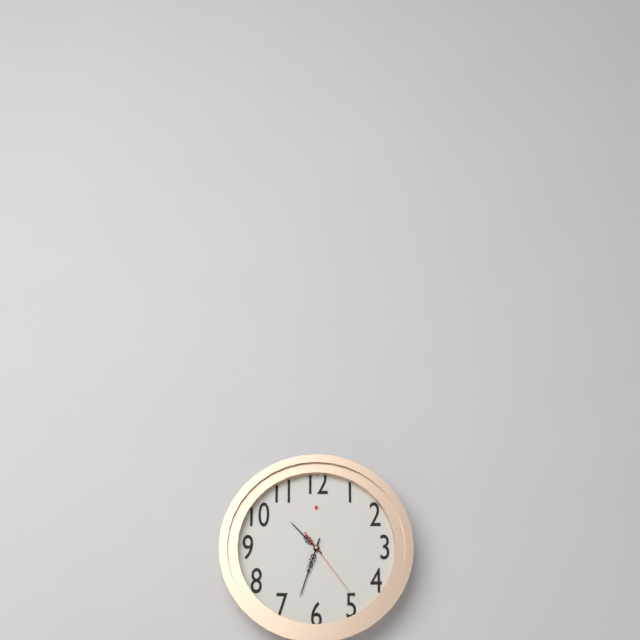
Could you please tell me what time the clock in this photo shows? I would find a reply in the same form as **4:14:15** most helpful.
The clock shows **10:33:24**
